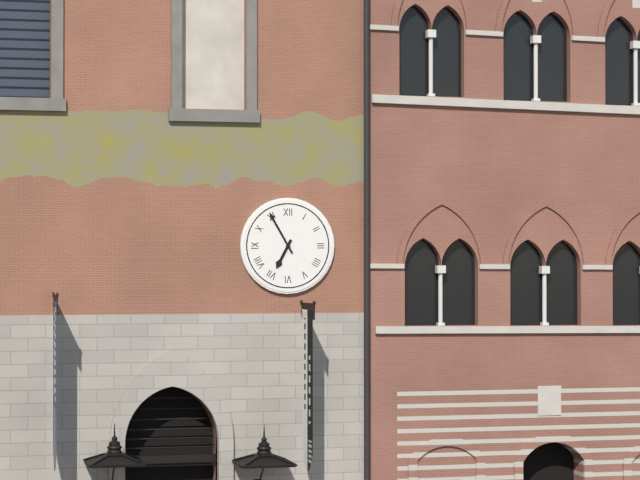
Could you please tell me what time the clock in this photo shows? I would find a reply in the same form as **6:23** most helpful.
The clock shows **6:55**
